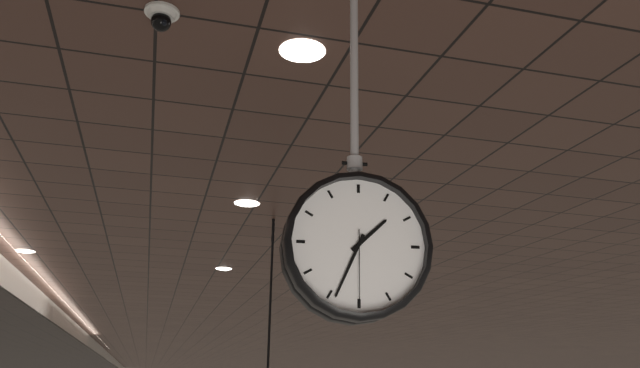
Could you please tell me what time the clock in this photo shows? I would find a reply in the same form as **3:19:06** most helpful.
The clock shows **1:34:30**
